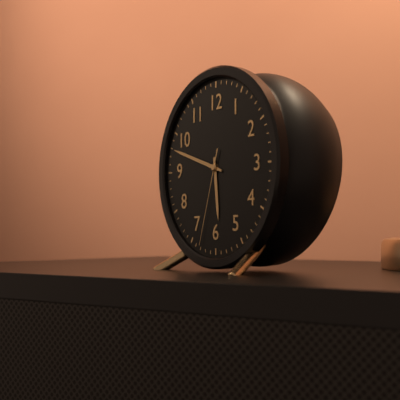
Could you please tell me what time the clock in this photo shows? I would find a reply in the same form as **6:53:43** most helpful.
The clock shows **5:48:33**
